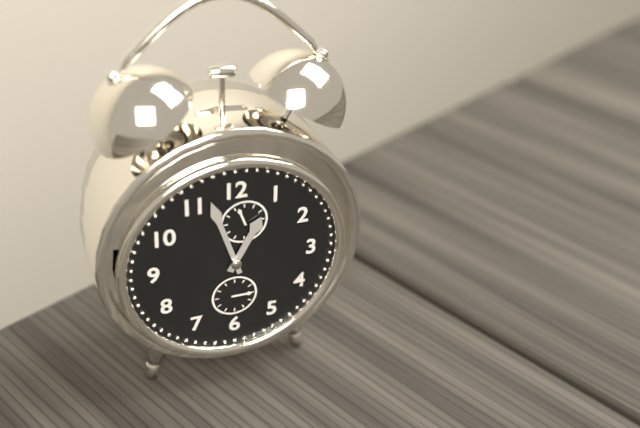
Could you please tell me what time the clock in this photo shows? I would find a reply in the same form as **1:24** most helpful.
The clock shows **12:57**
